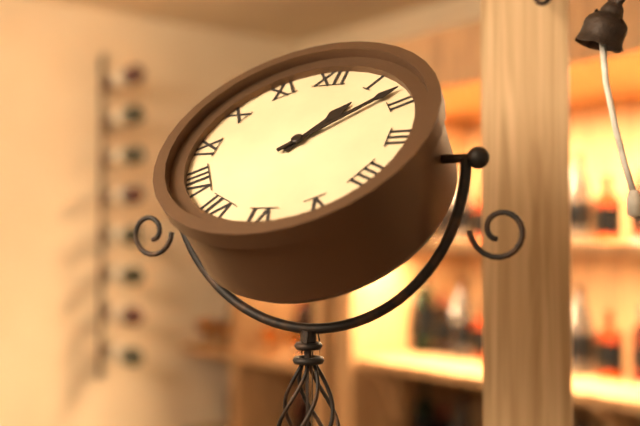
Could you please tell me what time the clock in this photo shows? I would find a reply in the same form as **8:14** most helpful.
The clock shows **1:08**
